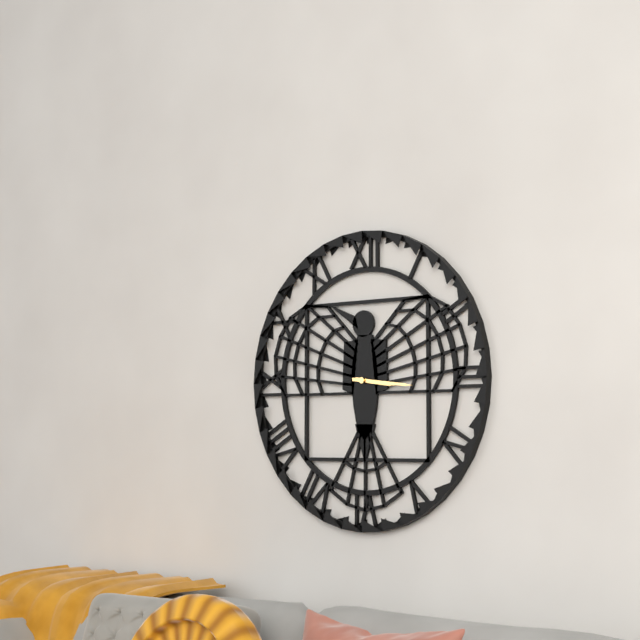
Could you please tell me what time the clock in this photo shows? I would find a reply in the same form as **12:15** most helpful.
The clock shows **3:16**
